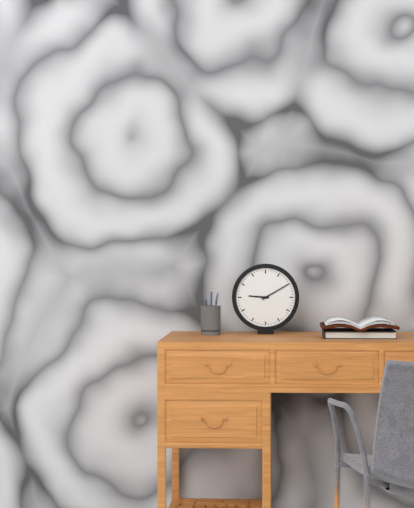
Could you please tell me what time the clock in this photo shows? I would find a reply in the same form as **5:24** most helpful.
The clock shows **9:10**
